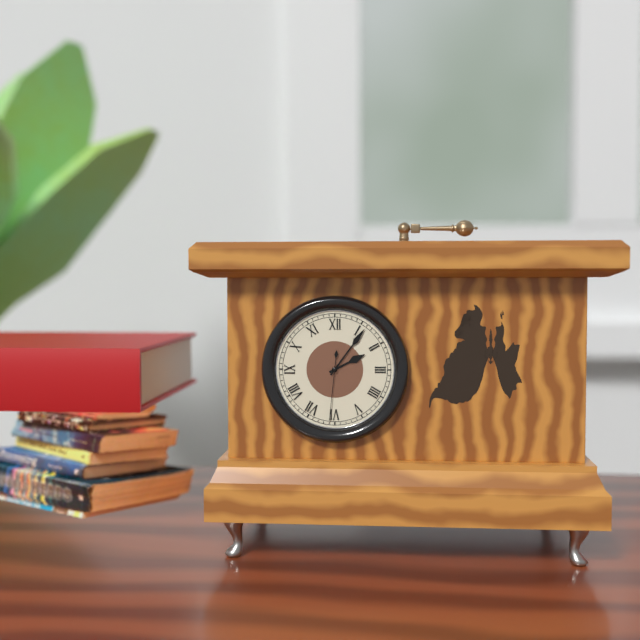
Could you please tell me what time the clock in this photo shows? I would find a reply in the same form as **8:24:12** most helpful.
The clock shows **2:06:31**
